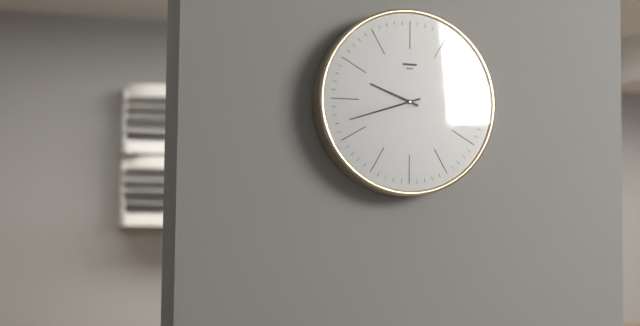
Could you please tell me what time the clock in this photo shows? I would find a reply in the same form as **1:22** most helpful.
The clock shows **9:42**
